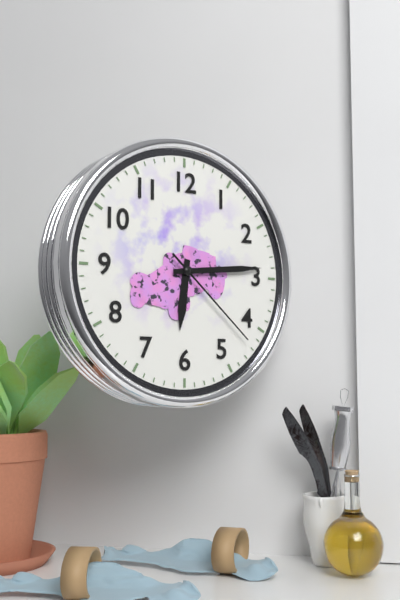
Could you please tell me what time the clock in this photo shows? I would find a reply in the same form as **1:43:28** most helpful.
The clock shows **6:14:22**
